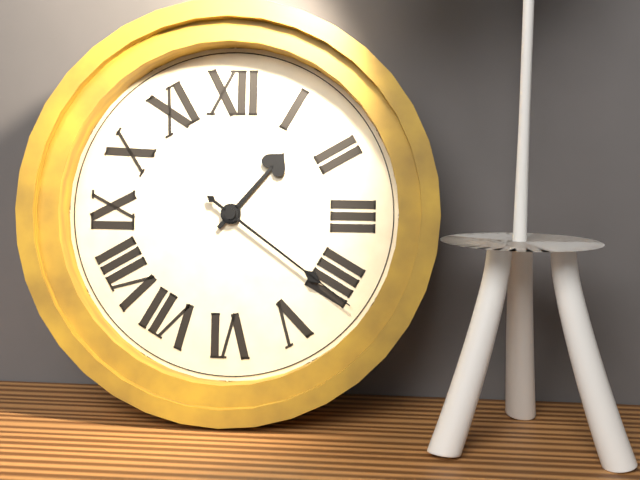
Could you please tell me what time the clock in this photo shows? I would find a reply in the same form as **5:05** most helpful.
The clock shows **1:21**
